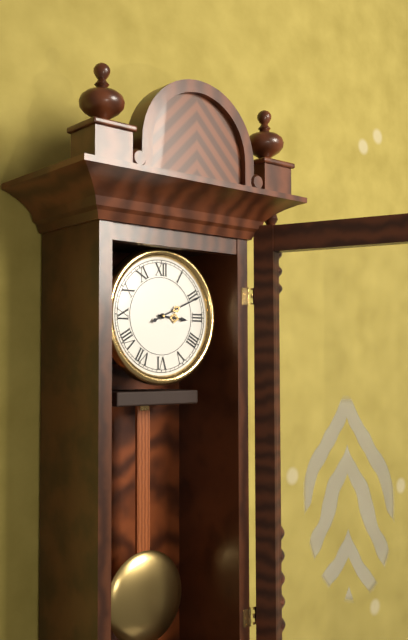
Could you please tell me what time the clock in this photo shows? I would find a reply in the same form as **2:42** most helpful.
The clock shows **3:11**
